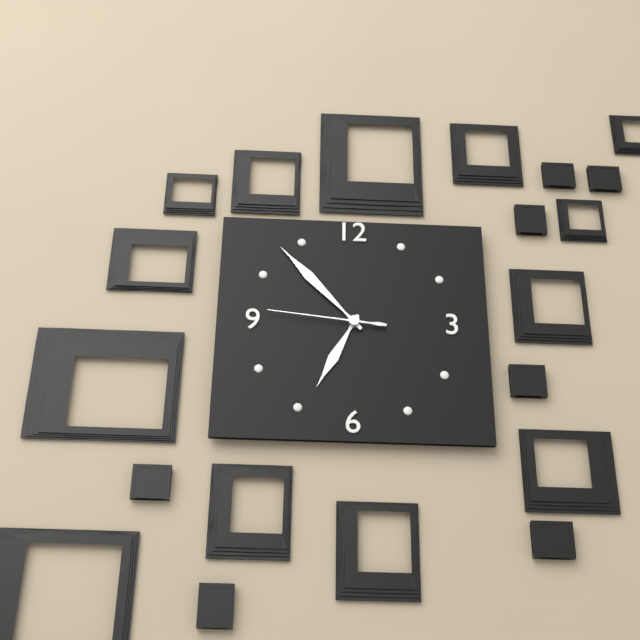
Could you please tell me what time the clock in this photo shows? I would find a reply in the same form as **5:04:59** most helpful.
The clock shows **6:53:46**
